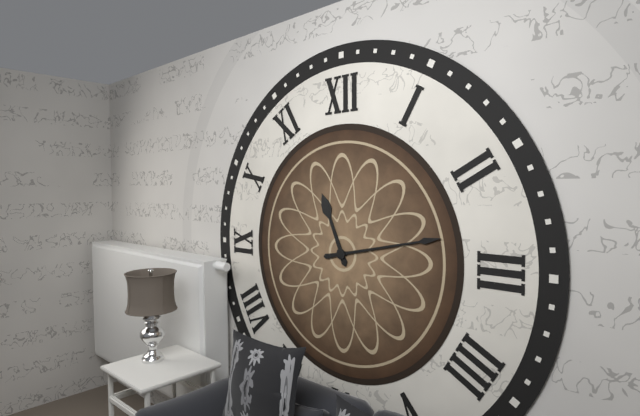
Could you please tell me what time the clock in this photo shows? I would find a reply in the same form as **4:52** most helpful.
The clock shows **11:13**
